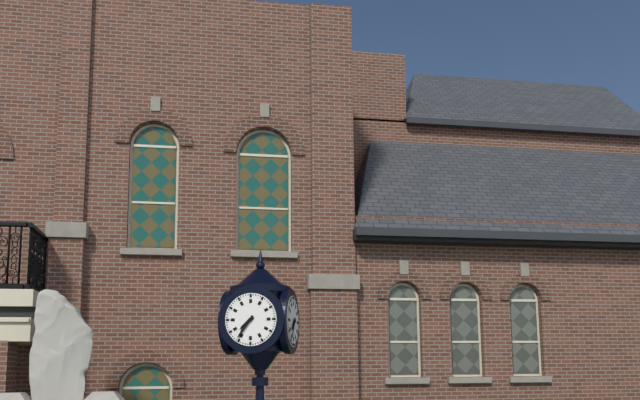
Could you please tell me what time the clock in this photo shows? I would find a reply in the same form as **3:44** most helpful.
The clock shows **7:36**
